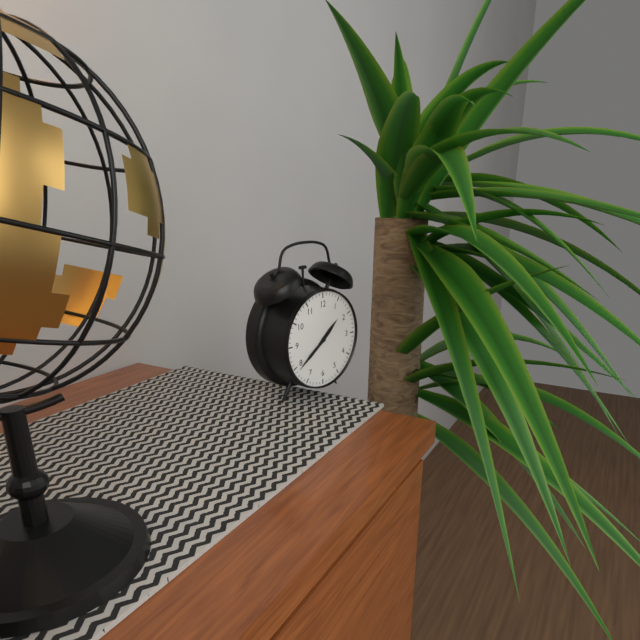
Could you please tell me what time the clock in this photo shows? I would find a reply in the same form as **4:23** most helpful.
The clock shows **1:39**
